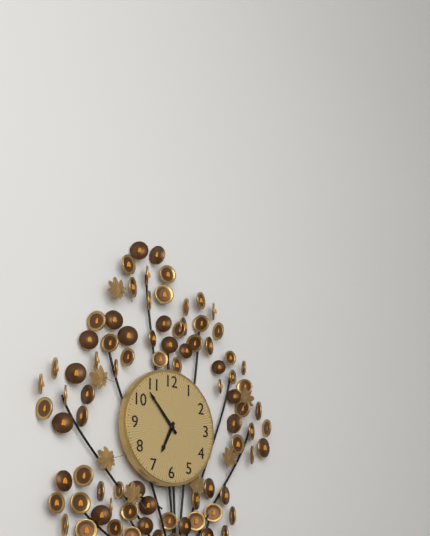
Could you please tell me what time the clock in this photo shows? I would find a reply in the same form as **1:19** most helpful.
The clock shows **6:53**
